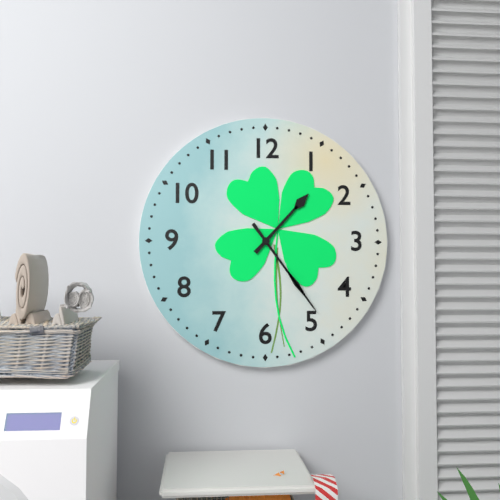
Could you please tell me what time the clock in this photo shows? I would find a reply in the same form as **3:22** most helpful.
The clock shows **1:24**
